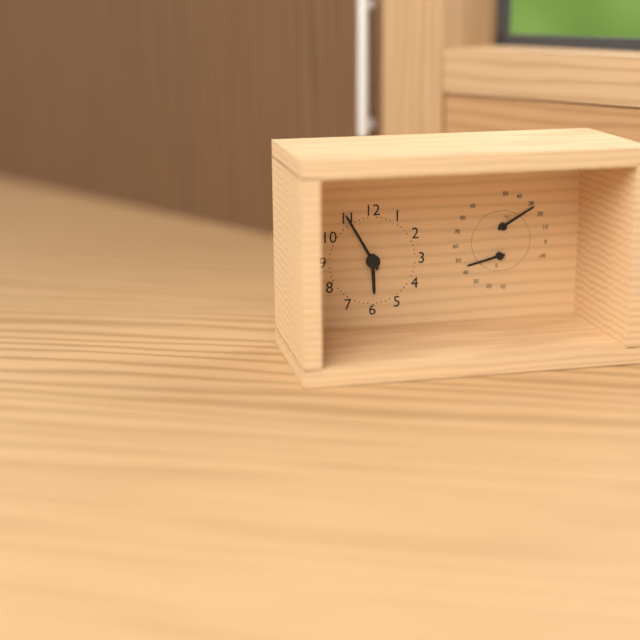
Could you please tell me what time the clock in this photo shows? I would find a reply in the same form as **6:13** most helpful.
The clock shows **5:55**
